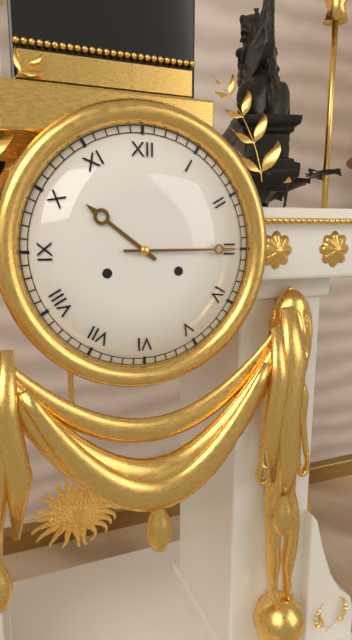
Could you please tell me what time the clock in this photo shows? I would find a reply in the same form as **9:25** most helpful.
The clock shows **10:15**
